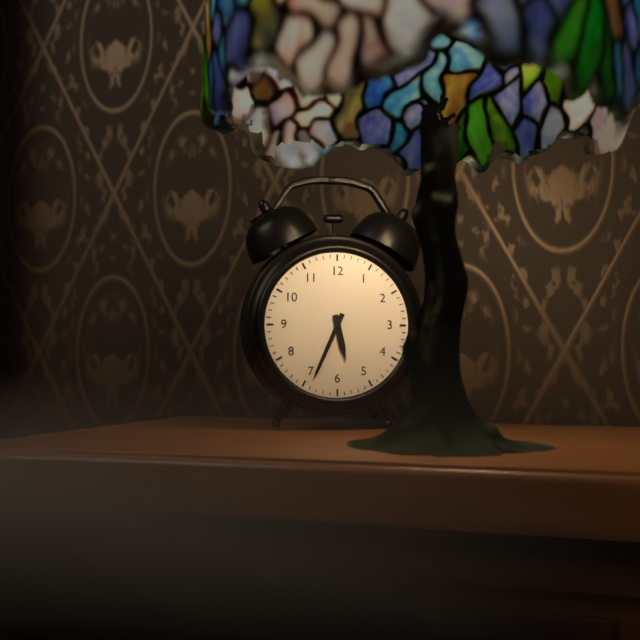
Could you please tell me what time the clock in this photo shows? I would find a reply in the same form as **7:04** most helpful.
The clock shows **5:34**
